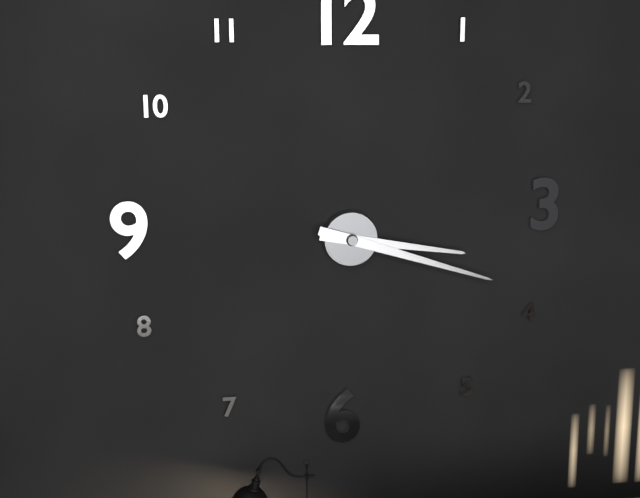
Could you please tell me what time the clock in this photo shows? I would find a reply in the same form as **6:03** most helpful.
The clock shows **3:18**
